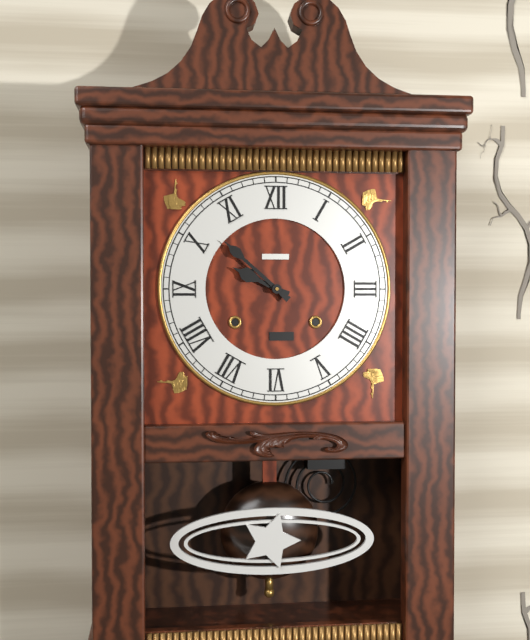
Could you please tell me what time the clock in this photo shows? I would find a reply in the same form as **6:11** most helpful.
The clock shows **9:52**
